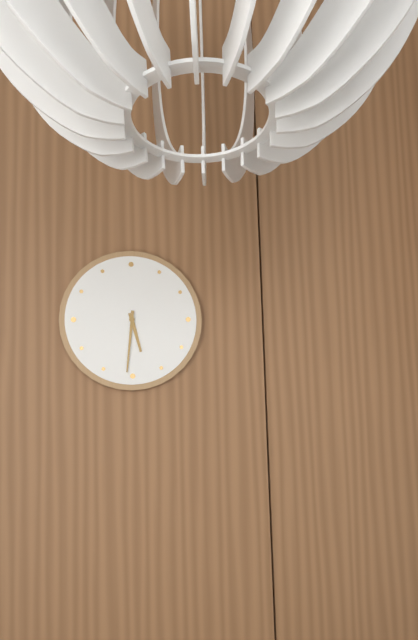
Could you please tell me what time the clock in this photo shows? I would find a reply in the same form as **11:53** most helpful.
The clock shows **5:31**
